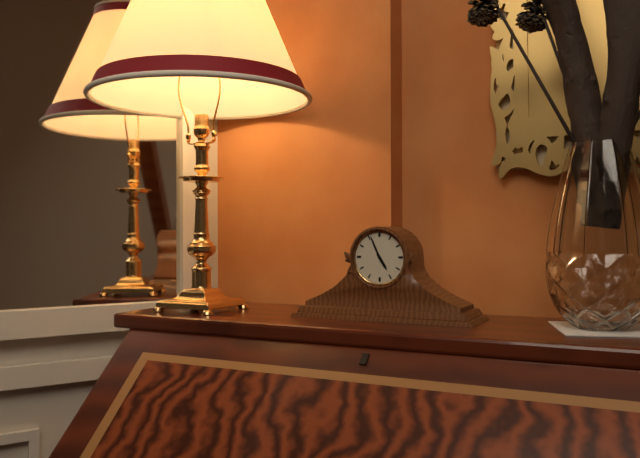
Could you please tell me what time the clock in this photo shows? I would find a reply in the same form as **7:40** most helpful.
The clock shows **4:56**
